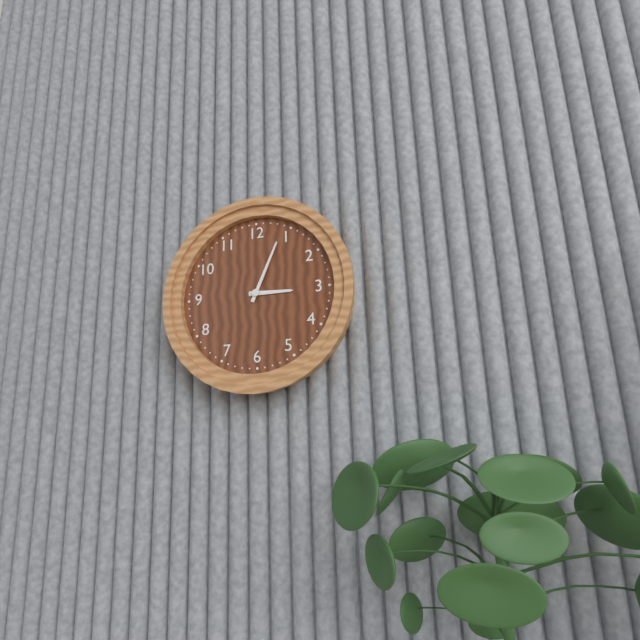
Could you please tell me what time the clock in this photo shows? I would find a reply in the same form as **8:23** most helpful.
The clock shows **3:04**
